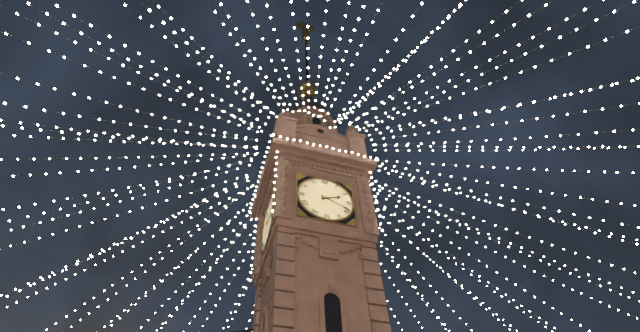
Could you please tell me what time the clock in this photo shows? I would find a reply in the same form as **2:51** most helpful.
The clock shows **2:19**
